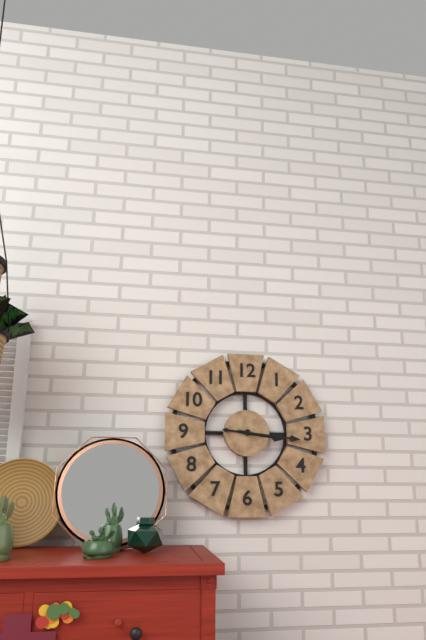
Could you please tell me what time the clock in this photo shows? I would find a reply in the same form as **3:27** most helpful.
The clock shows **3:16**
